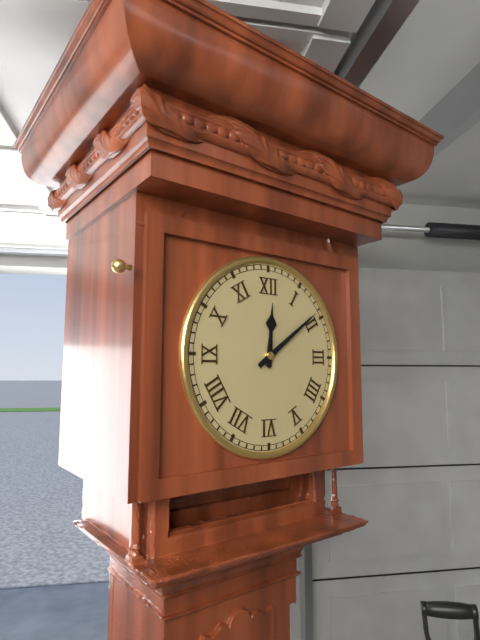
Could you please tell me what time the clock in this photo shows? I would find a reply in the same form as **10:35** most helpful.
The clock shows **12:09**
